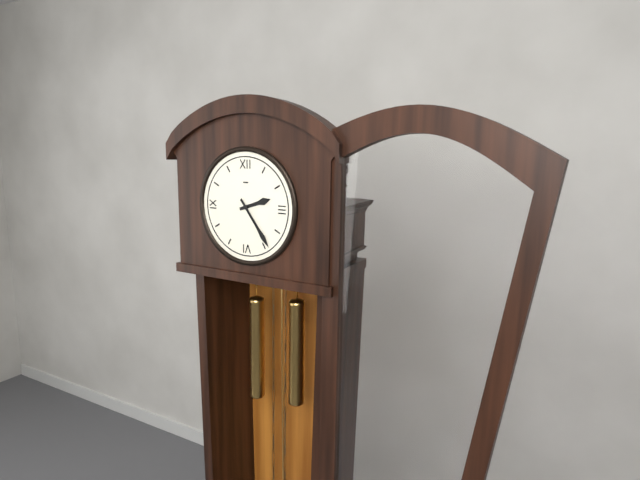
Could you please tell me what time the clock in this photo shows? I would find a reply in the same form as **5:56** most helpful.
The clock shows **2:24**
